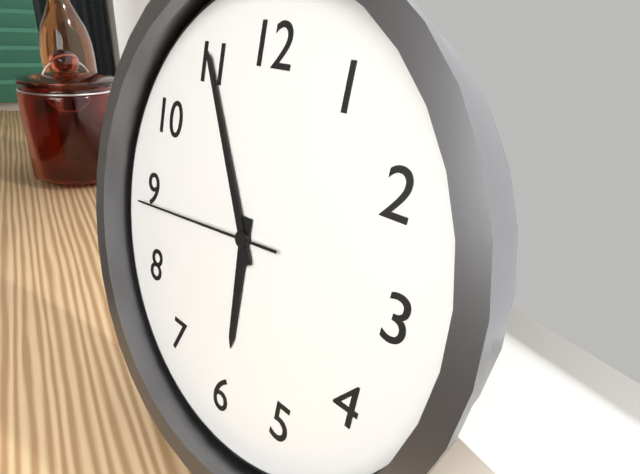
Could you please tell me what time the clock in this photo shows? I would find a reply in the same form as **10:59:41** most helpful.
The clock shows **5:55:44**
